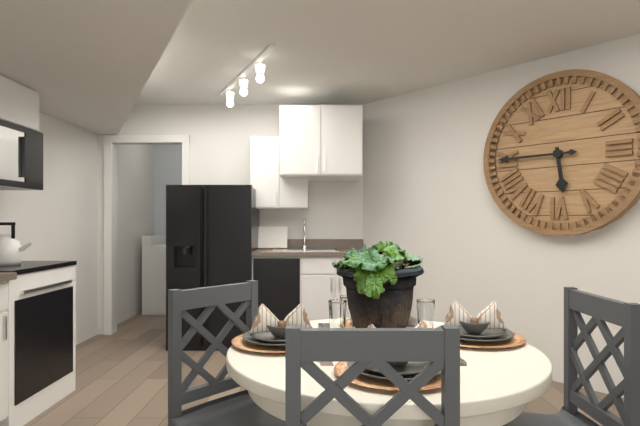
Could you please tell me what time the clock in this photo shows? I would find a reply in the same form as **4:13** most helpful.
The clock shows **5:45**
